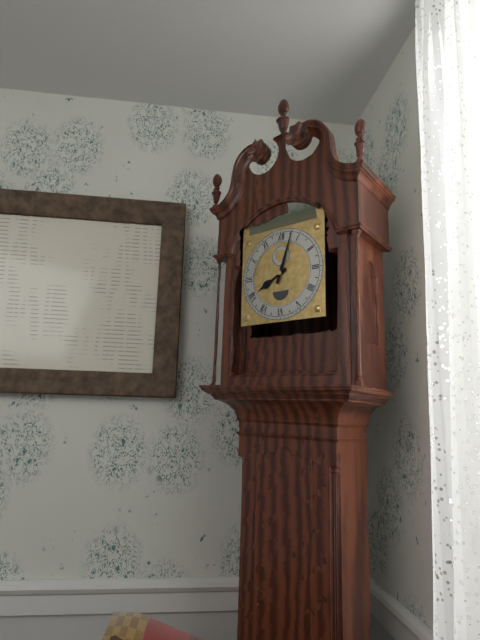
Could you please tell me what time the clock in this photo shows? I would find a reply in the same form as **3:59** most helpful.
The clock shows **8:03**
